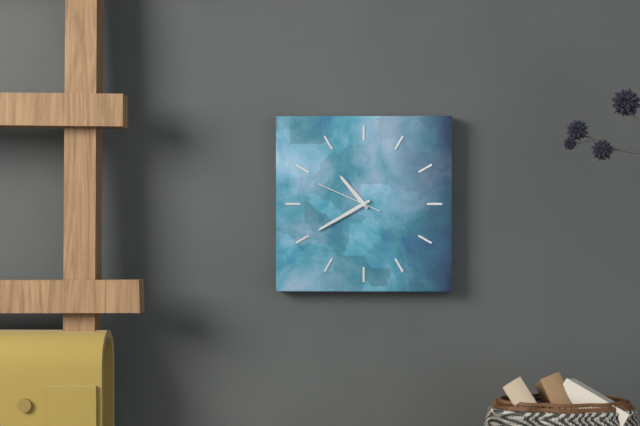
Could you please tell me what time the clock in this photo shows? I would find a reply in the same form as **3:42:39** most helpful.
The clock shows **10:40:49**
